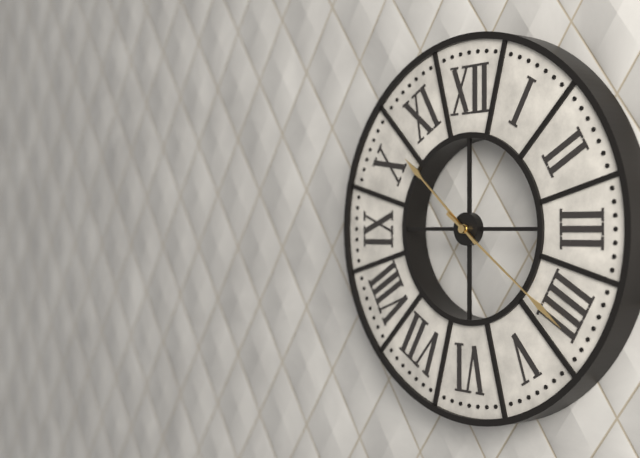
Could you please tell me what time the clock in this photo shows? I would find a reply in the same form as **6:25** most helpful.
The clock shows **10:21**
